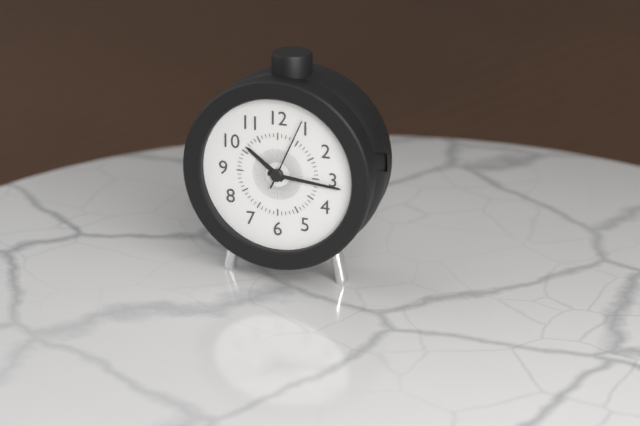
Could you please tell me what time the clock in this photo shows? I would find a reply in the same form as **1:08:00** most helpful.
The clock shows **10:16:04**
